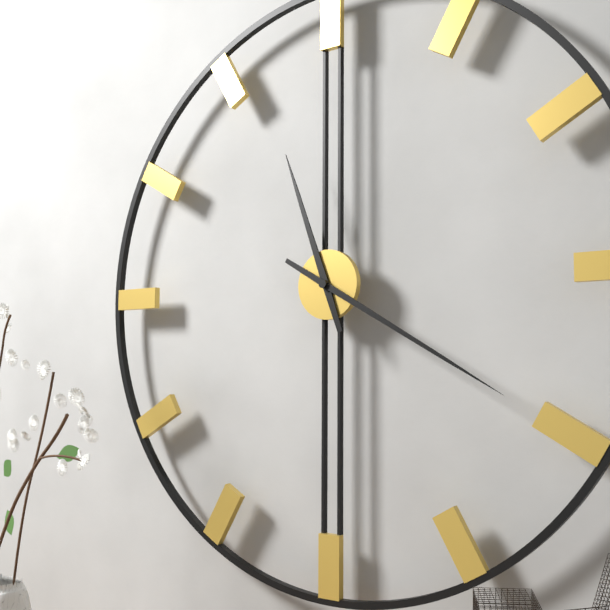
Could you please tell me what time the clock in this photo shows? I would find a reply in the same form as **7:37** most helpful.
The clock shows **11:20**
